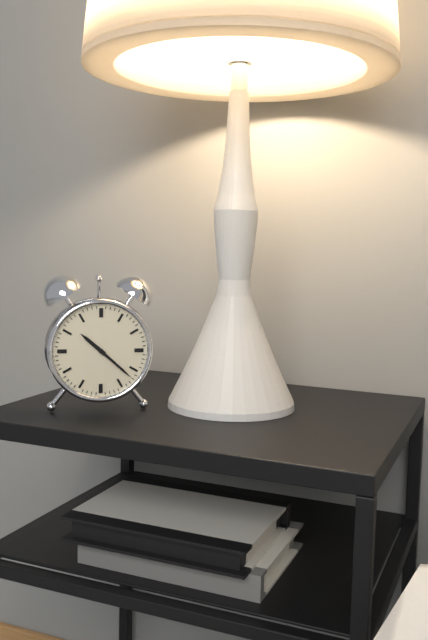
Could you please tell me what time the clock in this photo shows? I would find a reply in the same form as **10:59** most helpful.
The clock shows **10:22**
